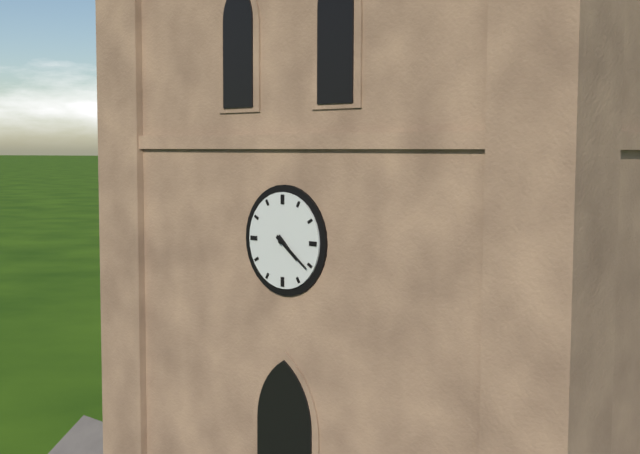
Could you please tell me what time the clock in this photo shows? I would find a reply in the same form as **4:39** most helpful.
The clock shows **4:21**
